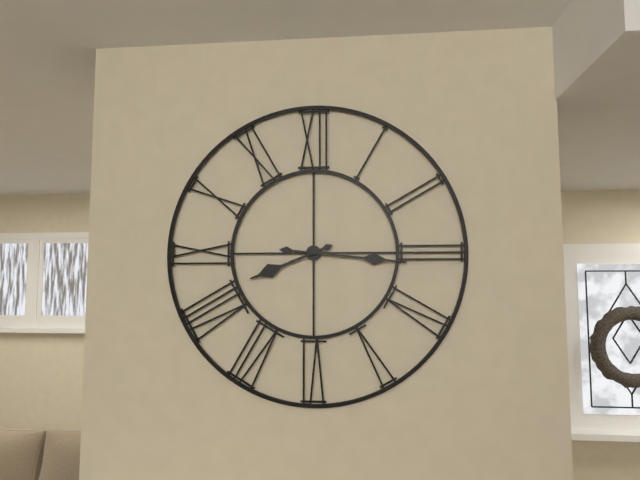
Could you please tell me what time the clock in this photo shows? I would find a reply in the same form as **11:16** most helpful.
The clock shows **8:16**
